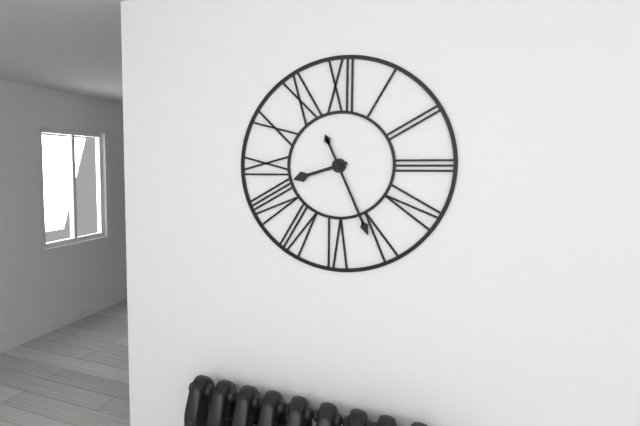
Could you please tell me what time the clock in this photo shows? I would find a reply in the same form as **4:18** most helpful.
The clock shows **8:26**
